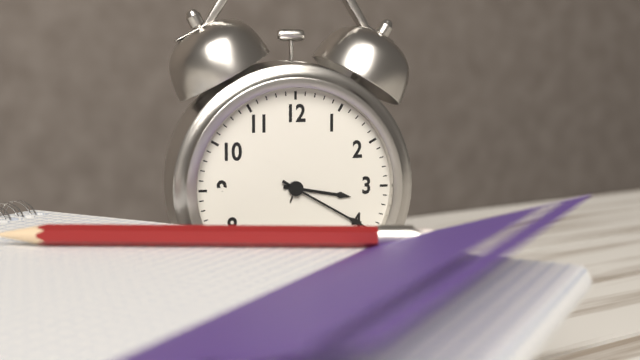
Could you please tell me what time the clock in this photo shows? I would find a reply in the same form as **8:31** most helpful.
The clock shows **3:20**
